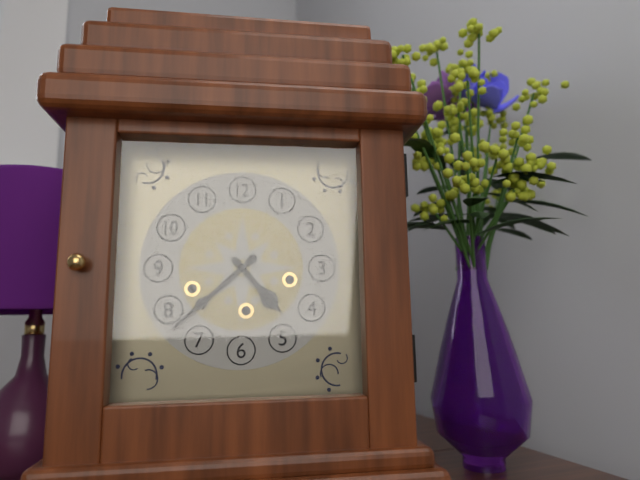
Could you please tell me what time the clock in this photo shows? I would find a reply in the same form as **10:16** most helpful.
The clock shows **4:38**
